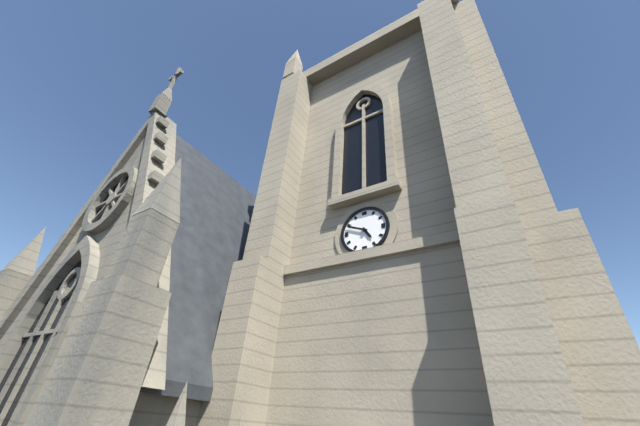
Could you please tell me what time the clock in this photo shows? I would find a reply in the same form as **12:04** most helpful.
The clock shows **4:49**
